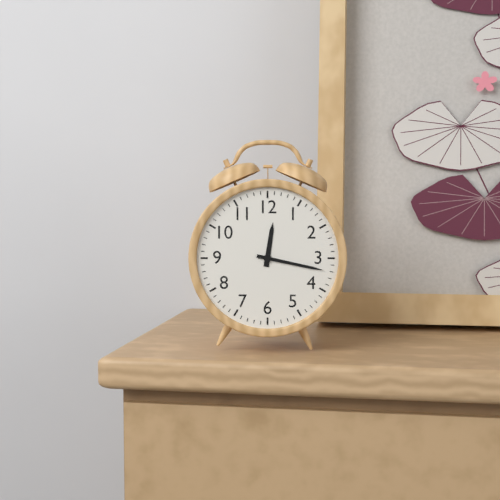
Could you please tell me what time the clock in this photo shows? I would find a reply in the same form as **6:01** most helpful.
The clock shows **12:17**
